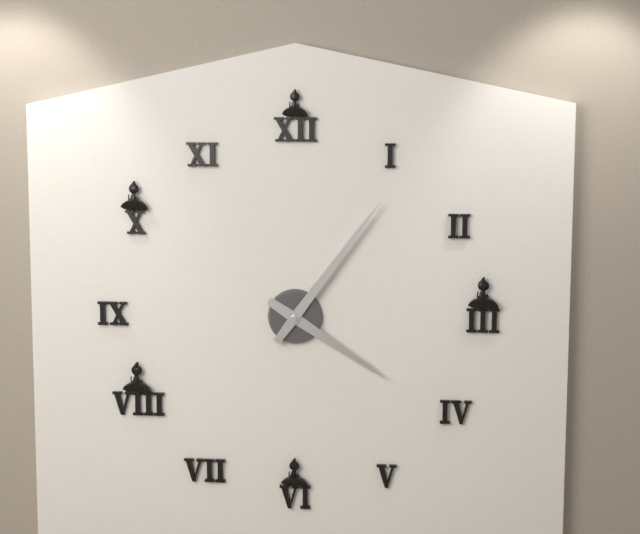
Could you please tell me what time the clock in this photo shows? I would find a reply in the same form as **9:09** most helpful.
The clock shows **4:06**
